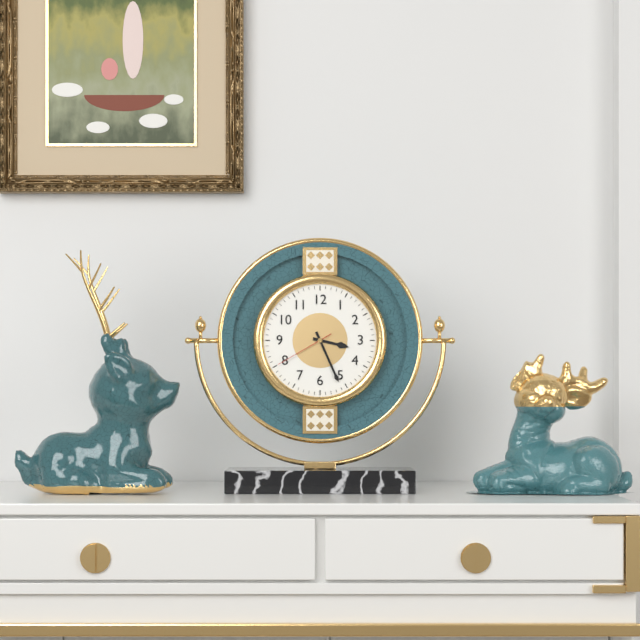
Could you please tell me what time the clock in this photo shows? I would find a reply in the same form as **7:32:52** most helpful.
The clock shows **3:26:40**
